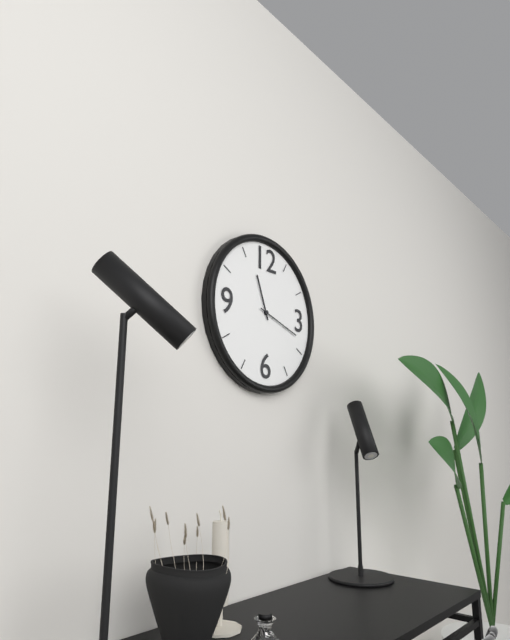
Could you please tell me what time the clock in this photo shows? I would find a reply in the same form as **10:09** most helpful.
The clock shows **11:18**
